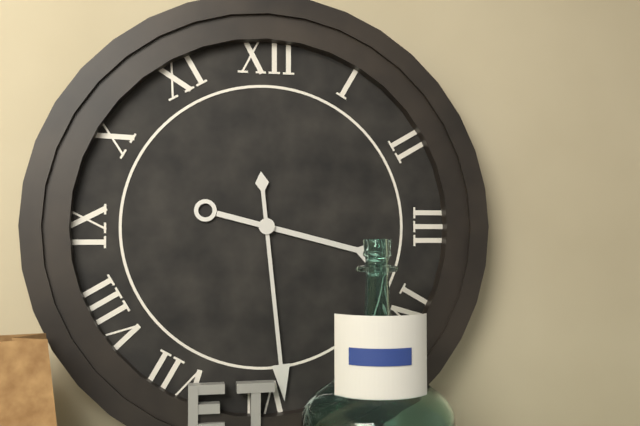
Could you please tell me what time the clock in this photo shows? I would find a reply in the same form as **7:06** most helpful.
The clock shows **3:29**
